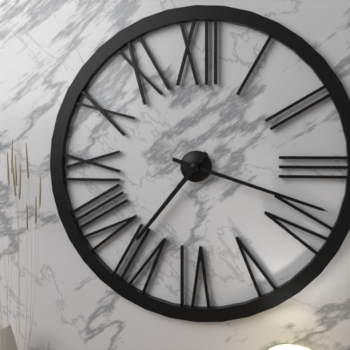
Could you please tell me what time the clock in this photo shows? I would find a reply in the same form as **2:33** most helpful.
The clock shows **7:18**
